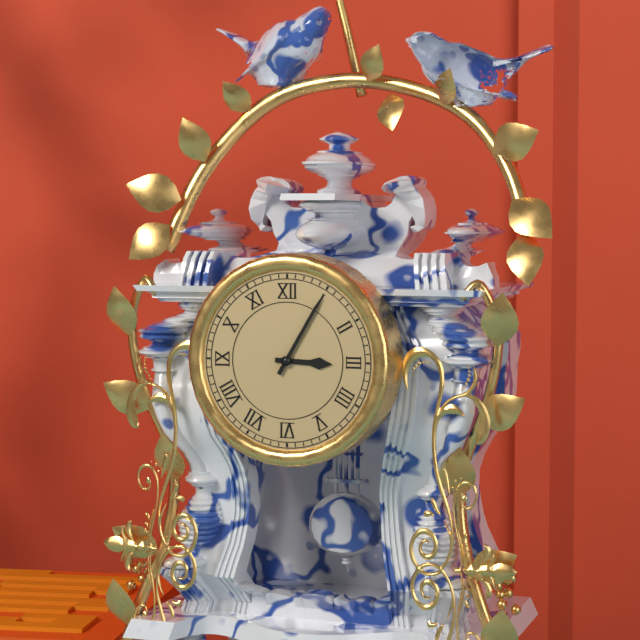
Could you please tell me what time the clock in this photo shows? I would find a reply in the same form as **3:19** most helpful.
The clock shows **3:05**
